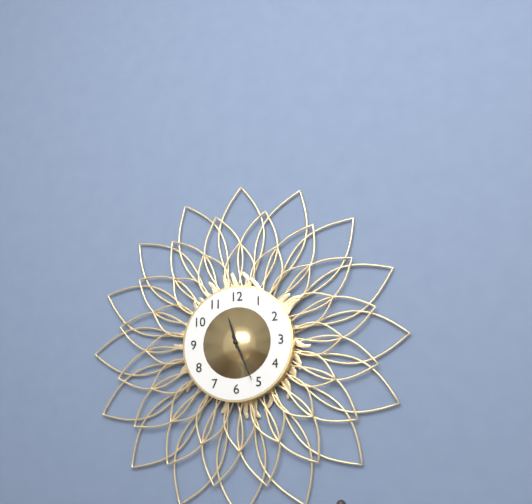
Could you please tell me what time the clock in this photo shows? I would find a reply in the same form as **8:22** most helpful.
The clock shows **11:26**
